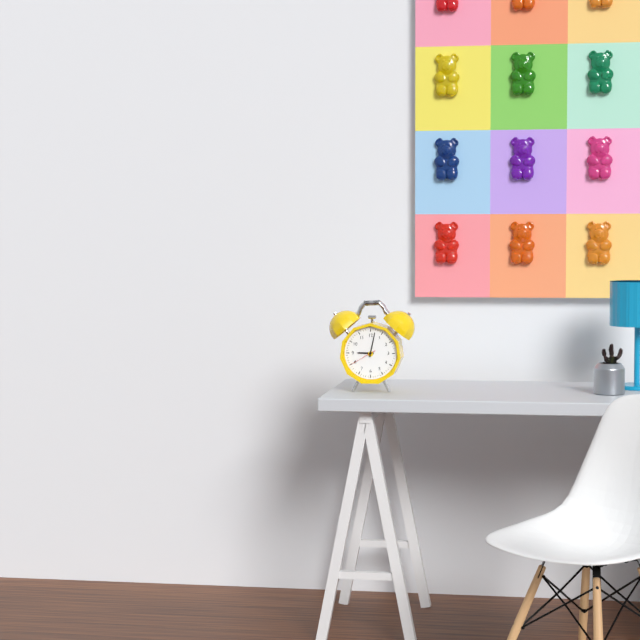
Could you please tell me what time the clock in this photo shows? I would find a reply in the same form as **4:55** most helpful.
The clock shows **9:02**
